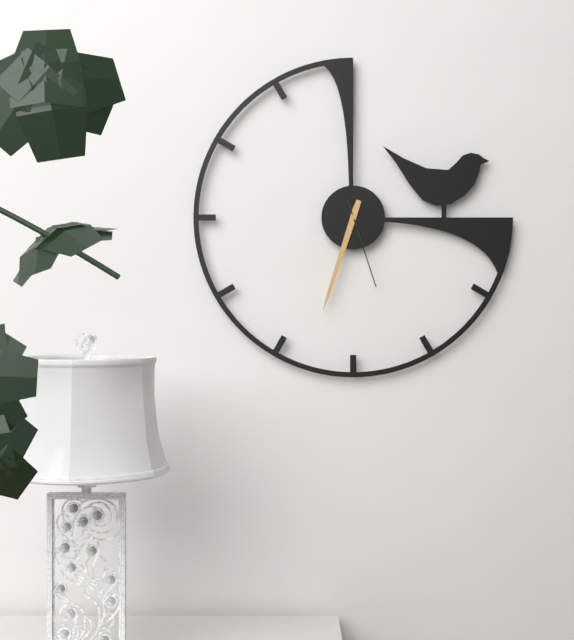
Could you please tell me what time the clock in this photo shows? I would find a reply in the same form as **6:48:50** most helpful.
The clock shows **6:33:27**
